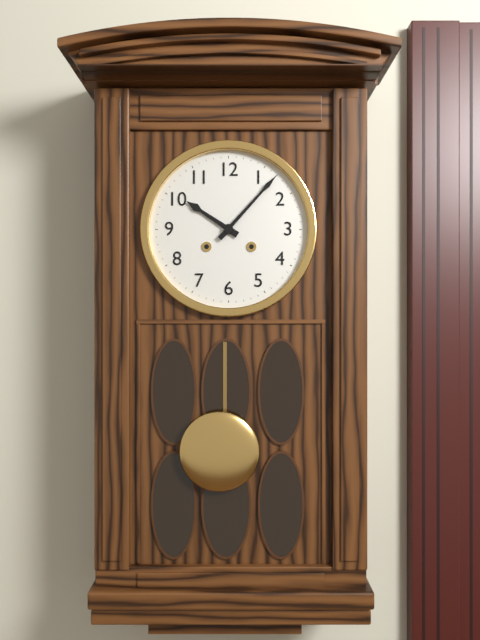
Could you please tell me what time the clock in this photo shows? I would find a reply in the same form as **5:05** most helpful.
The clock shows **10:07**
